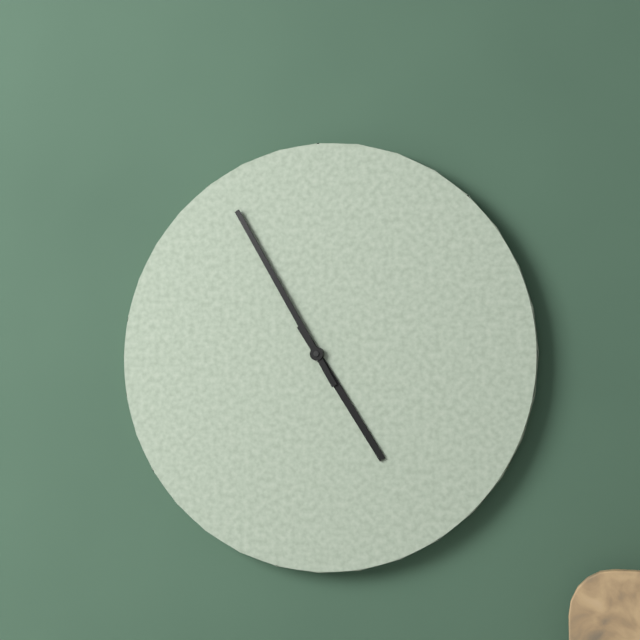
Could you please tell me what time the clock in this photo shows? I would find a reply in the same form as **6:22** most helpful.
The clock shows **4:55**
